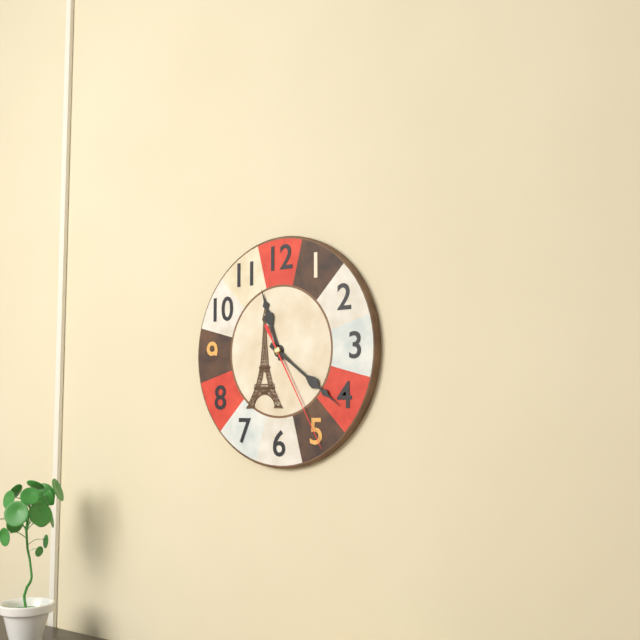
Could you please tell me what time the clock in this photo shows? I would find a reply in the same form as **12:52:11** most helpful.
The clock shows **11:21:25**
